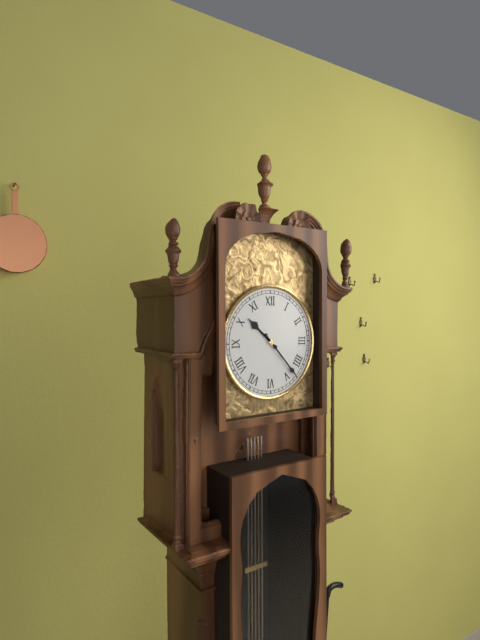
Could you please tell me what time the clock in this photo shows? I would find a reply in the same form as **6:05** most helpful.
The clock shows **10:23**
